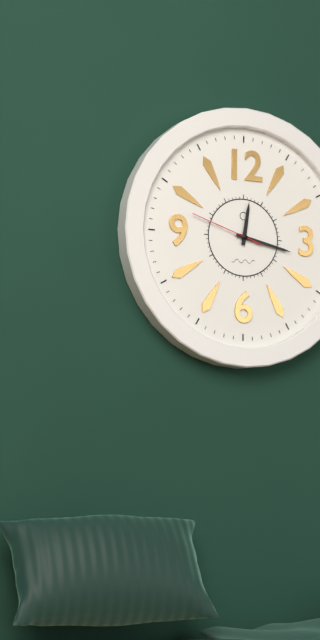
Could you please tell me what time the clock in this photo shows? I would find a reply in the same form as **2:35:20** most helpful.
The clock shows **12:17:48**
